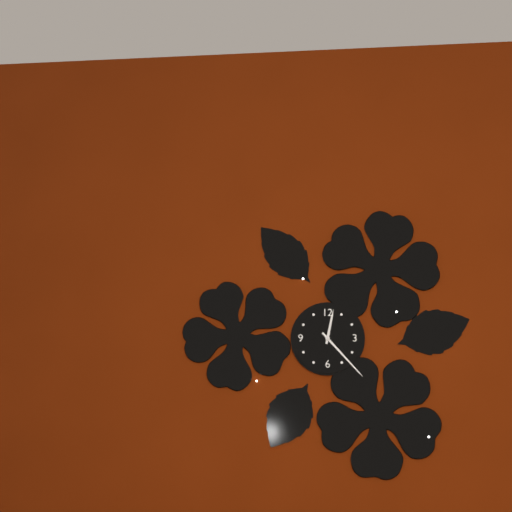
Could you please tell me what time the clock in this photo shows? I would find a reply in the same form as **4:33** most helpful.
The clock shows **12:23**
